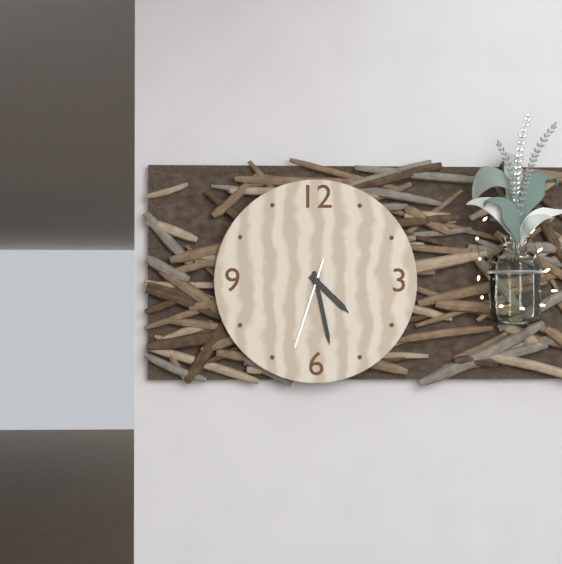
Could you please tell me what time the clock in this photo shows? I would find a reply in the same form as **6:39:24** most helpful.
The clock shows **4:28:33**
